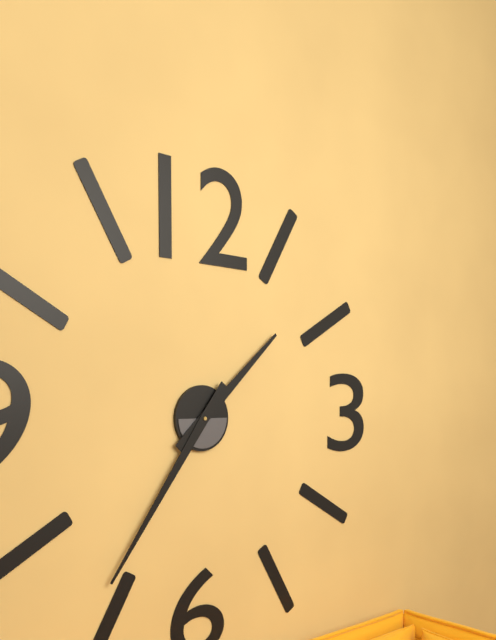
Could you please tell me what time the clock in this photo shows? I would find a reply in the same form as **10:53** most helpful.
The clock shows **1:36**
